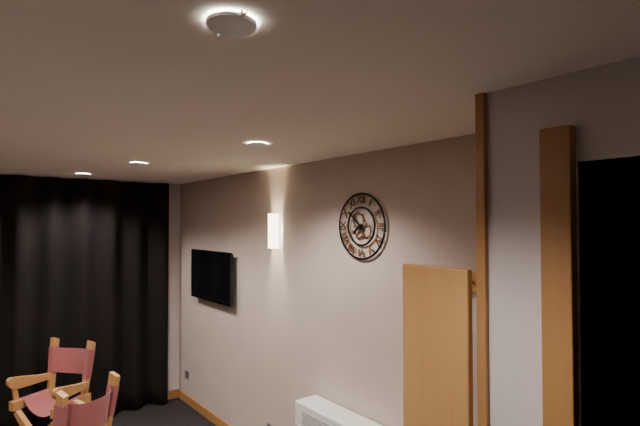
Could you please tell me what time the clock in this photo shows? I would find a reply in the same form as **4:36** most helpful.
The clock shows **7:52**
